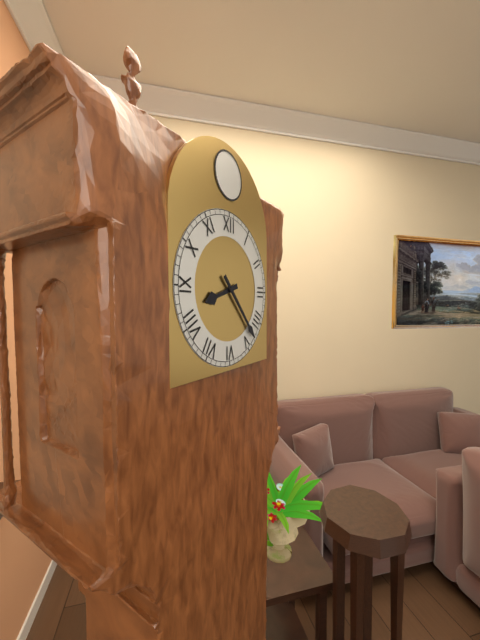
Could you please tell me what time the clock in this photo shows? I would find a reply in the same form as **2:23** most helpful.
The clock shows **8:23**
